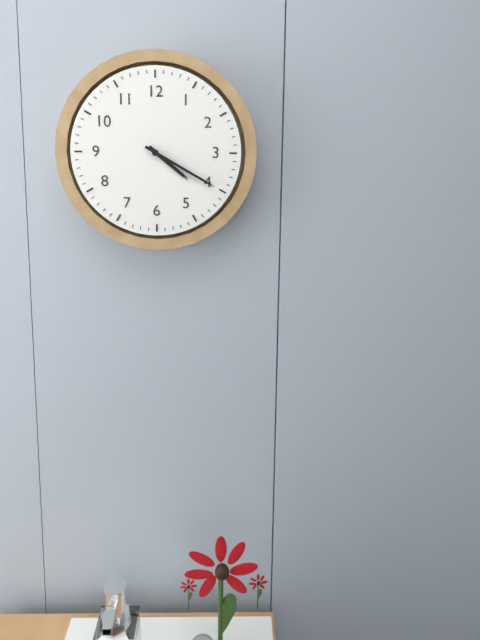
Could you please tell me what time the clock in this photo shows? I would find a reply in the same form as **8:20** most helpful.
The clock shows **4:20**
